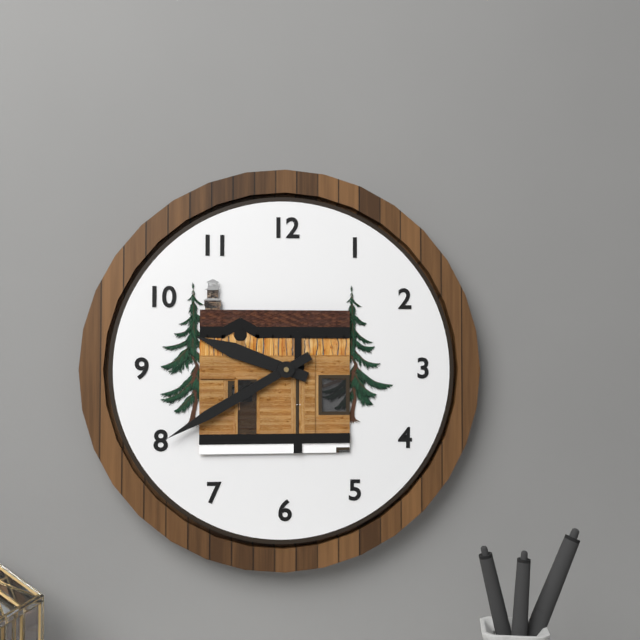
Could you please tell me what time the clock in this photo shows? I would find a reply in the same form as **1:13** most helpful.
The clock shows **9:40**
